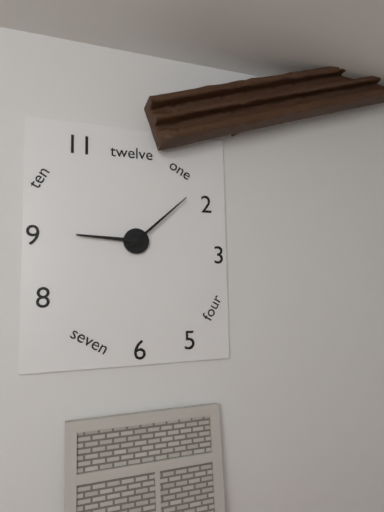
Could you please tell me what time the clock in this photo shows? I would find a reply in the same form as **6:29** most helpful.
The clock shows **9:08**
